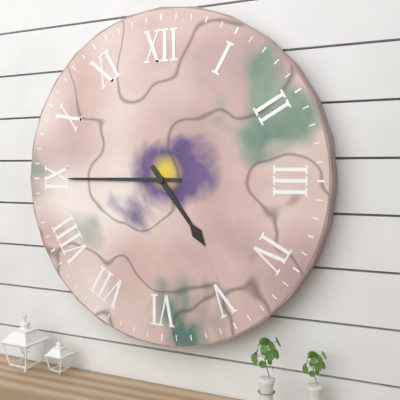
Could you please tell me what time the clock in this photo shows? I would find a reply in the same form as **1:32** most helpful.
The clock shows **4:45**
